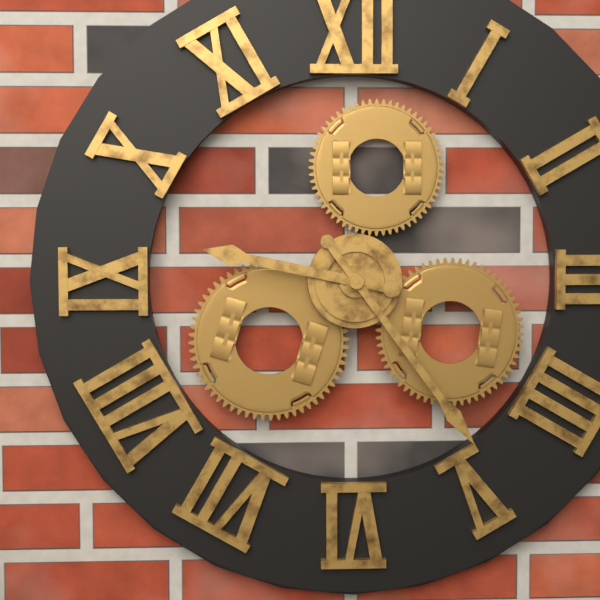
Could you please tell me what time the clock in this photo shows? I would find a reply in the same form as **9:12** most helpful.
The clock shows **9:24**
